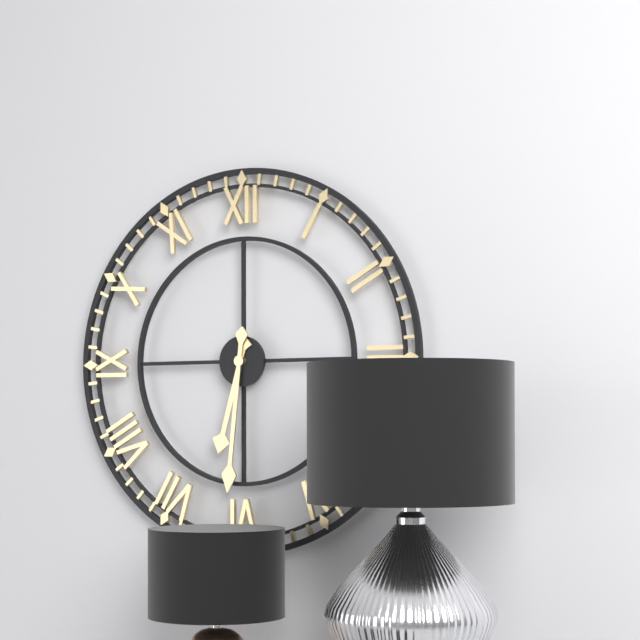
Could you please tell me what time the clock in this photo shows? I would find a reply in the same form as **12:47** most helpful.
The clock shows **6:31**
